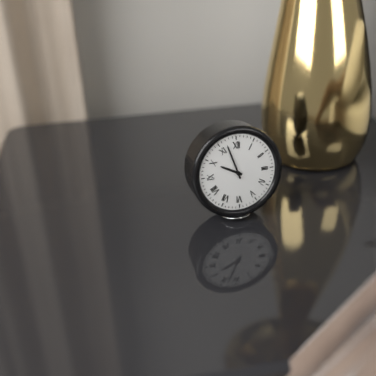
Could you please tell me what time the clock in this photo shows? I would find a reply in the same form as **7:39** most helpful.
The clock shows **9:57**
